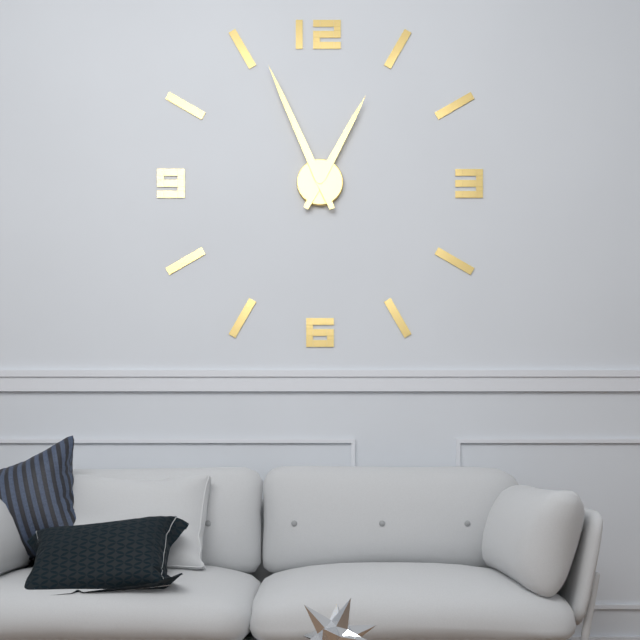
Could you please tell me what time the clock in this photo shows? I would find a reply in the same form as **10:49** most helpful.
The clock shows **12:56**
